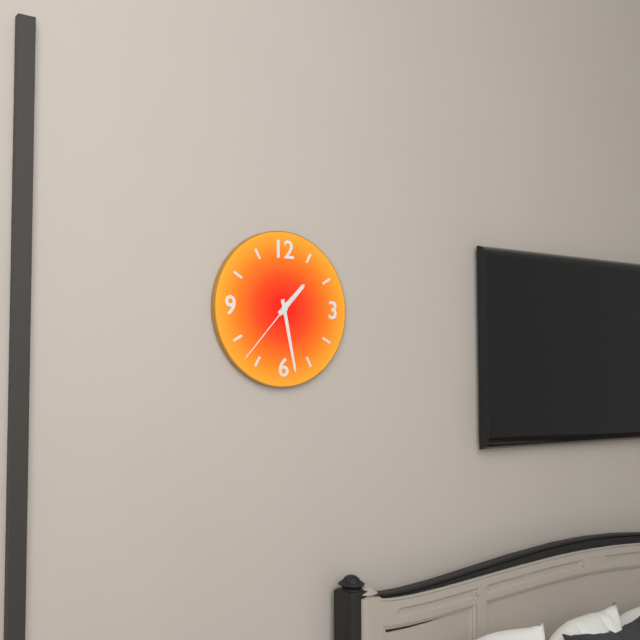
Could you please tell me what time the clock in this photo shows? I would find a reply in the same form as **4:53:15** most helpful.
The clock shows **1:28:37**
